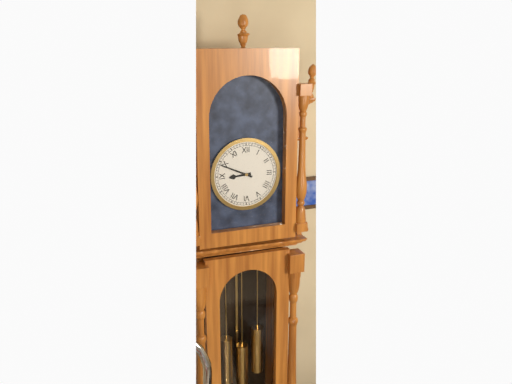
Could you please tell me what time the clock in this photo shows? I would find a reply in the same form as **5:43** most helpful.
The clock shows **8:49**
